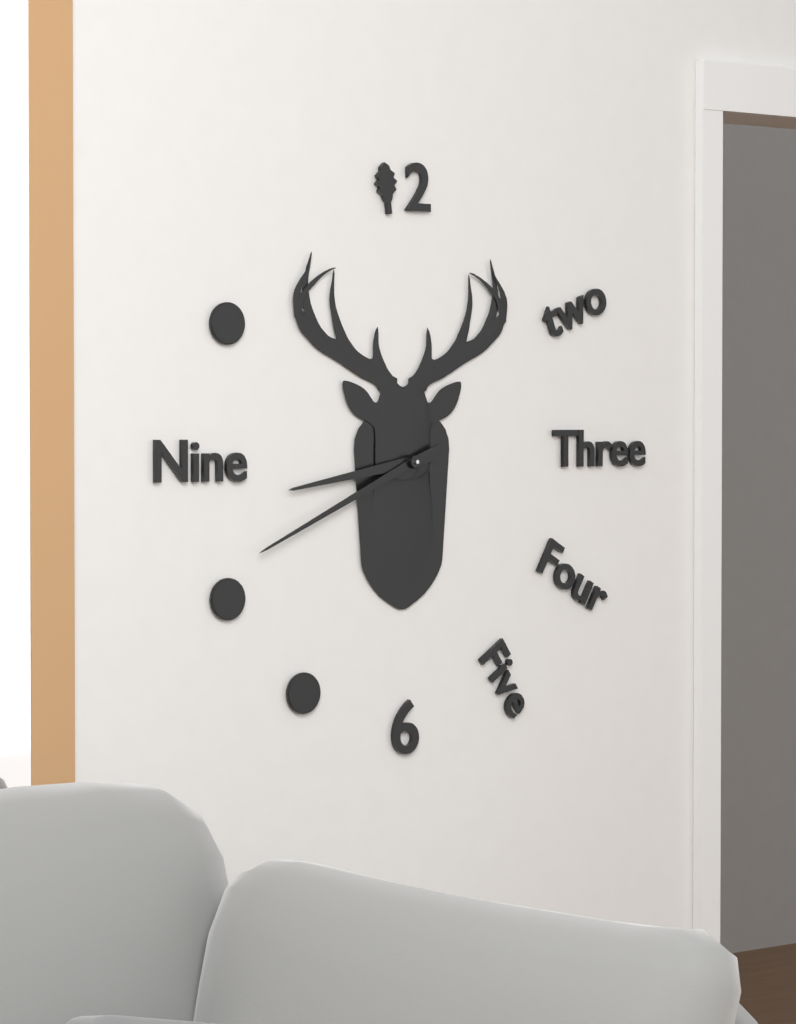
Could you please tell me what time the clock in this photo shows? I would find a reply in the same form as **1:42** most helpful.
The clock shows **8:41**
